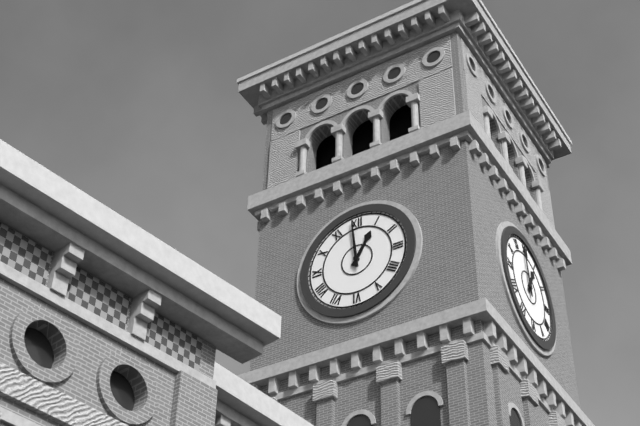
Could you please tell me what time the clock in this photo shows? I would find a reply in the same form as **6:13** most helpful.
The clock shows **12:59**
